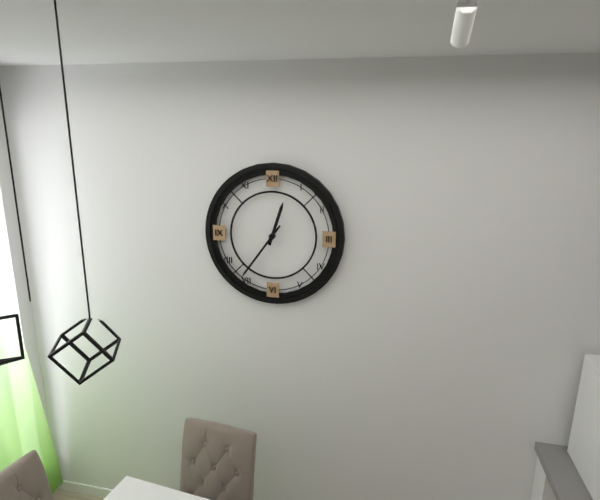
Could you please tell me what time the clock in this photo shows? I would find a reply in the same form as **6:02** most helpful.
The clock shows **12:36**
